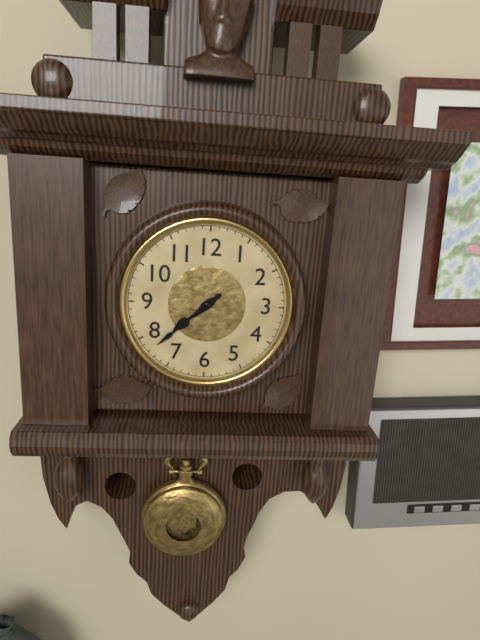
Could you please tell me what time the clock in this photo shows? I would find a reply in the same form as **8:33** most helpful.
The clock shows **7:38**
